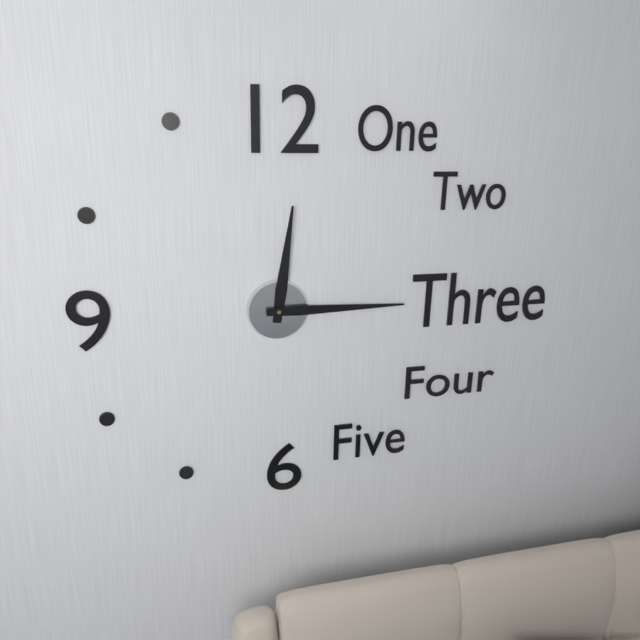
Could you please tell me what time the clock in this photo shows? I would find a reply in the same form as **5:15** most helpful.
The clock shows **12:15**
